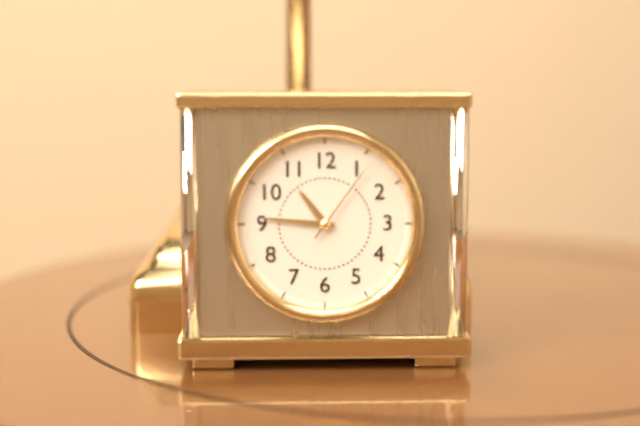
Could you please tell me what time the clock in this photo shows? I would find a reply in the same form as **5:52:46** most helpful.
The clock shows **10:46:06**
